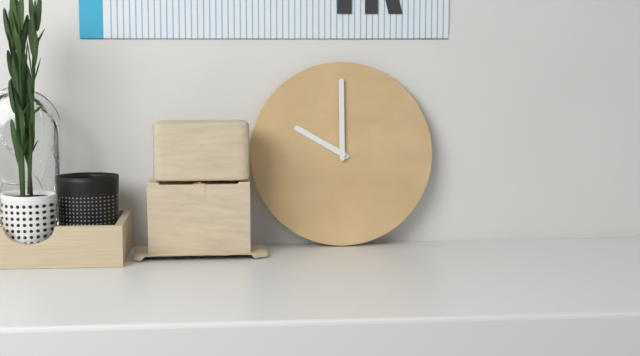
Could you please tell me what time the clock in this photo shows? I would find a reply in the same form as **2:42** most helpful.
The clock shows **10:00**
